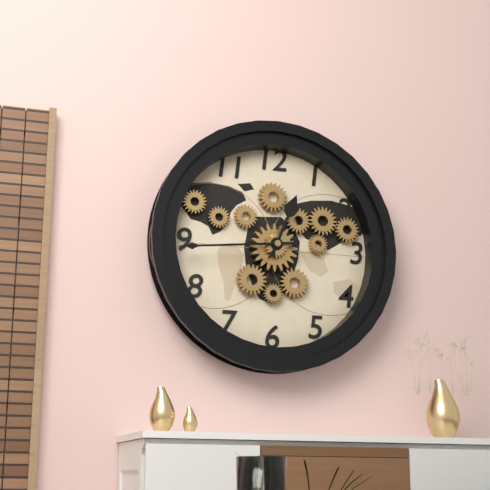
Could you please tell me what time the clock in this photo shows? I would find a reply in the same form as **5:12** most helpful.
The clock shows **12:44**
